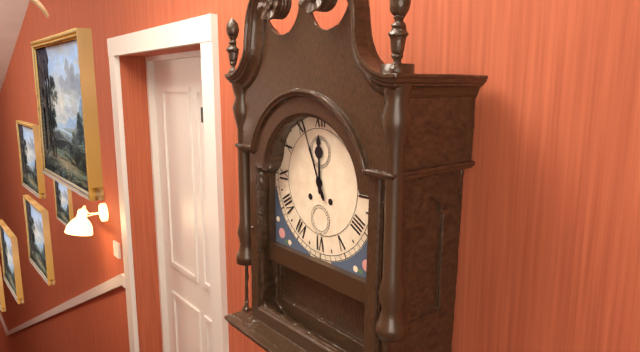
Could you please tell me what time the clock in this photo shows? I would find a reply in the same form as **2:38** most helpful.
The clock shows **11:56**
